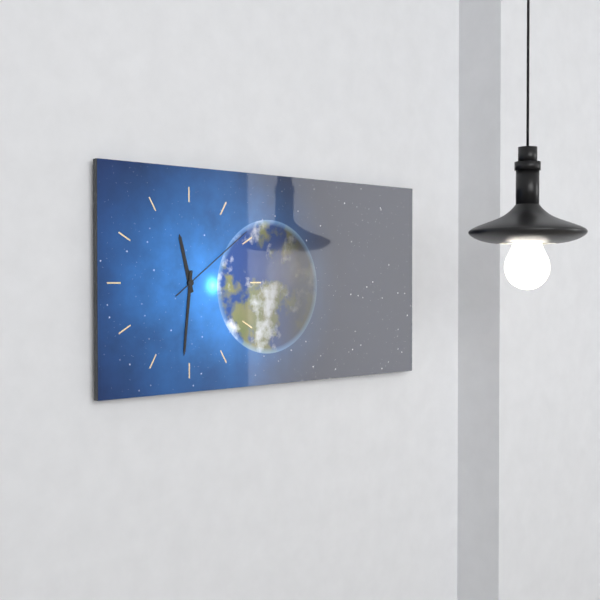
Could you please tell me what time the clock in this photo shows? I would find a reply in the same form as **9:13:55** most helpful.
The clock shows **11:31:09**
